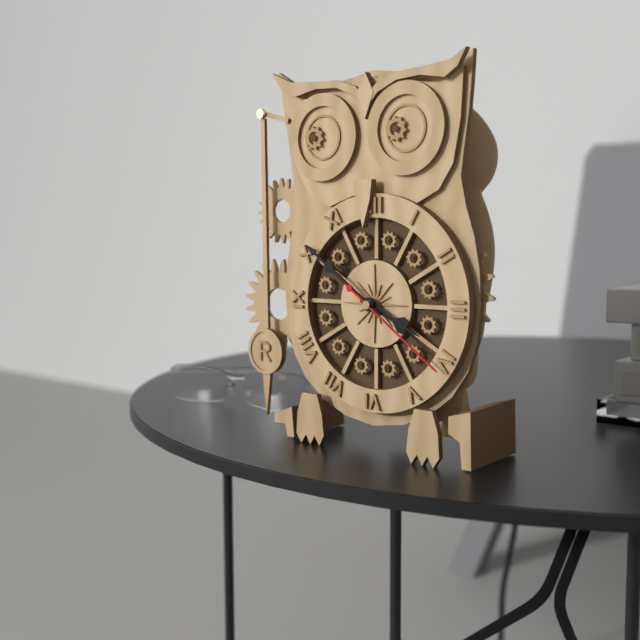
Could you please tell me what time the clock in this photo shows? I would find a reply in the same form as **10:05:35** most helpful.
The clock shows **3:51:21**
